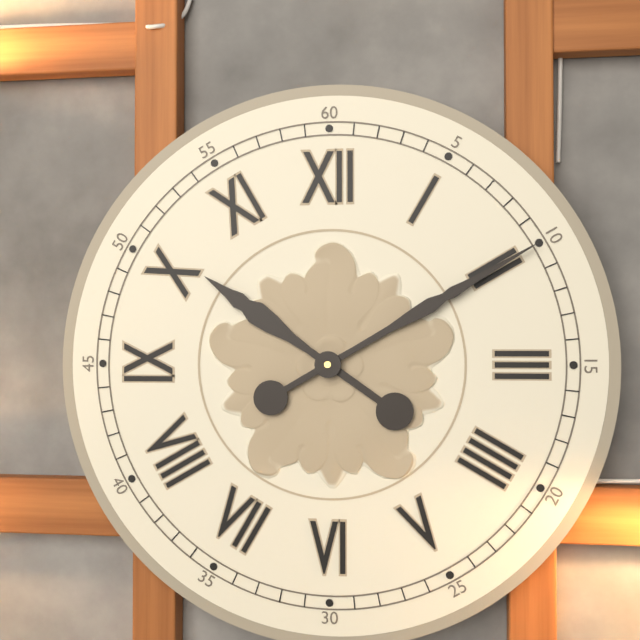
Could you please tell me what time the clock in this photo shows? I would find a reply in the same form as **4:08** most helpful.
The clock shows **10:10**
